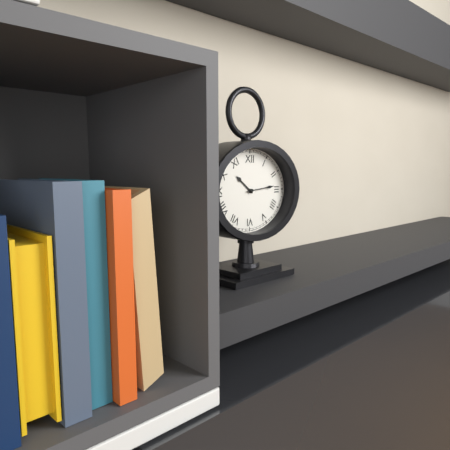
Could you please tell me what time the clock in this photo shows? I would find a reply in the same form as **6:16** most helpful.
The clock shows **10:14**
